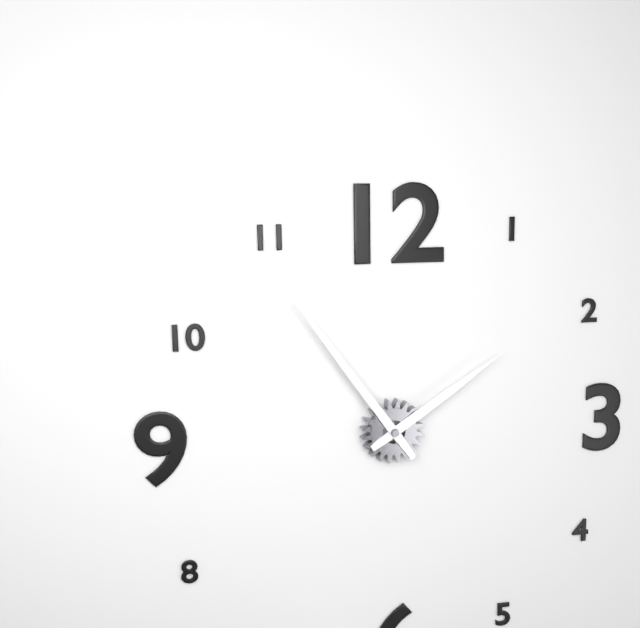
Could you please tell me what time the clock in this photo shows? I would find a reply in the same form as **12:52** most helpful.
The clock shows **1:54**
